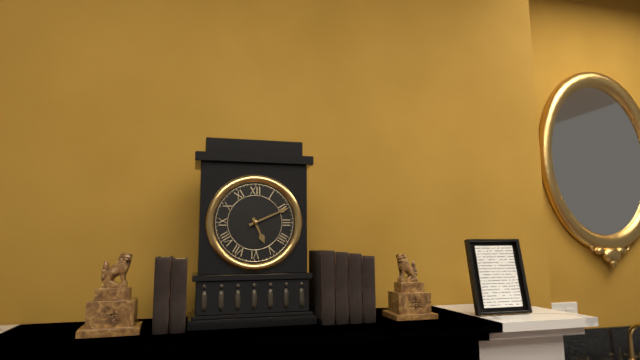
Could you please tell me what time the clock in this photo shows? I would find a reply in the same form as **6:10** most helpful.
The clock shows **5:11**
